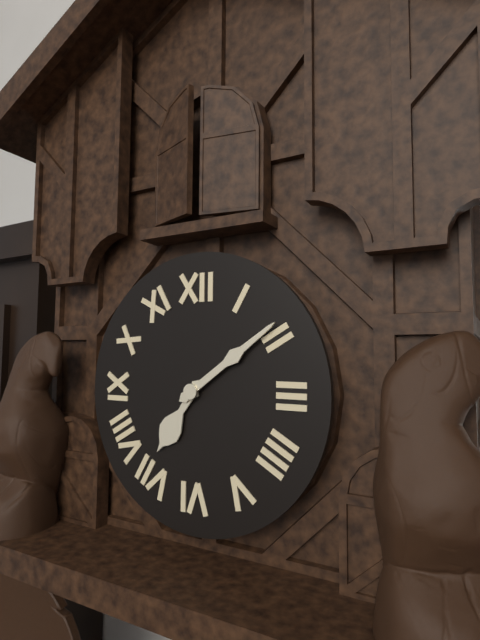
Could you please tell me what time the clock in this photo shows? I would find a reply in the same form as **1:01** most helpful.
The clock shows **7:09**
